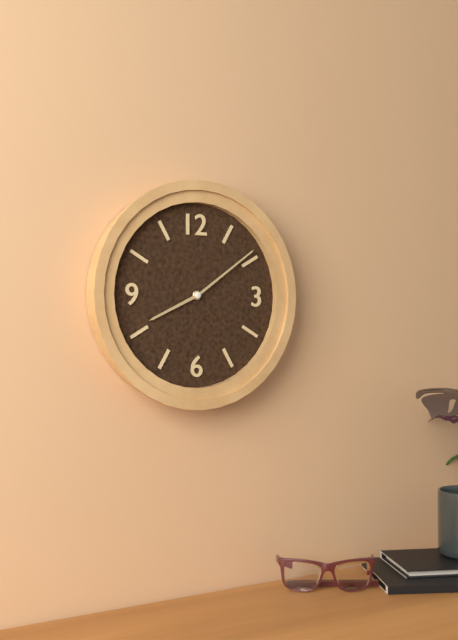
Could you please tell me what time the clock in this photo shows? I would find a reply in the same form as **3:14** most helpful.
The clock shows **8:09**
